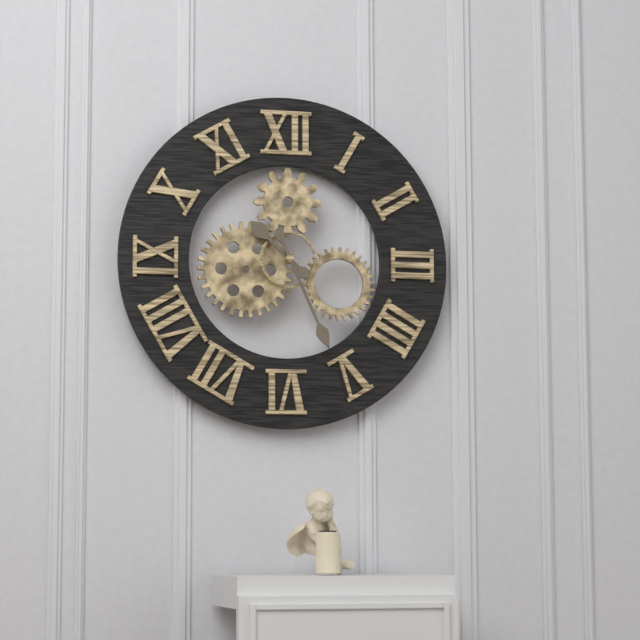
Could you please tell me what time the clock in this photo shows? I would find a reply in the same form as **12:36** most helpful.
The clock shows **10:26**
